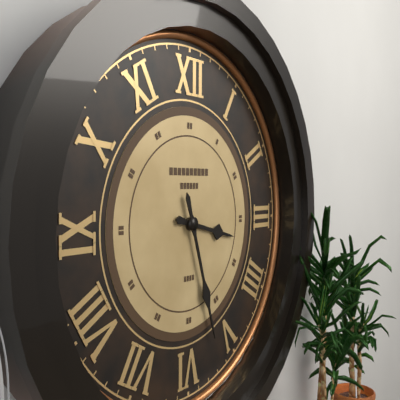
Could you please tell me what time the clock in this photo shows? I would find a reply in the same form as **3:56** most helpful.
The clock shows **3:27**
